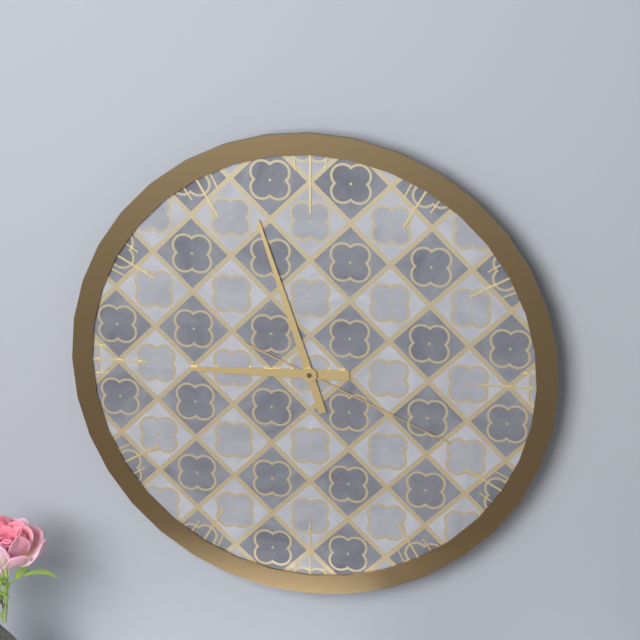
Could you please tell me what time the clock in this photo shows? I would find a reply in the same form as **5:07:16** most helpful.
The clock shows **8:57:19**
